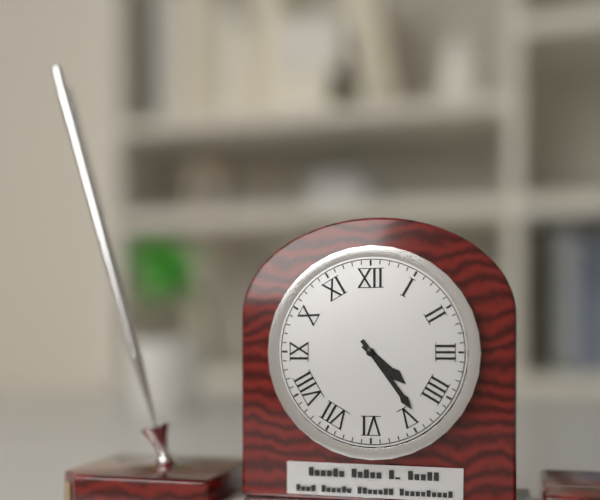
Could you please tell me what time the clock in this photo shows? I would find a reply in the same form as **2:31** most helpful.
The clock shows **4:24**
